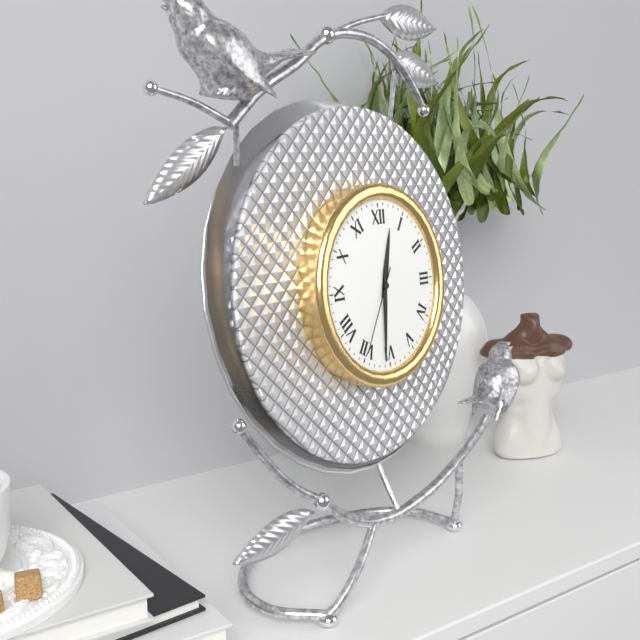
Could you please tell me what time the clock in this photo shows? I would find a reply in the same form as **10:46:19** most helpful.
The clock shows **12:31:35**
